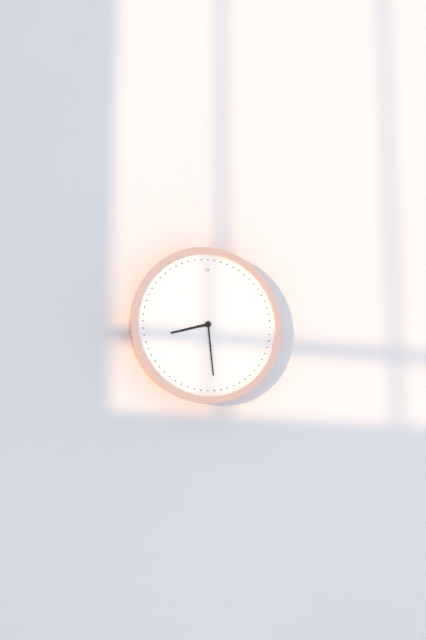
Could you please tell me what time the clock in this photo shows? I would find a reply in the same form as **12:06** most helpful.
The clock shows **8:29**
